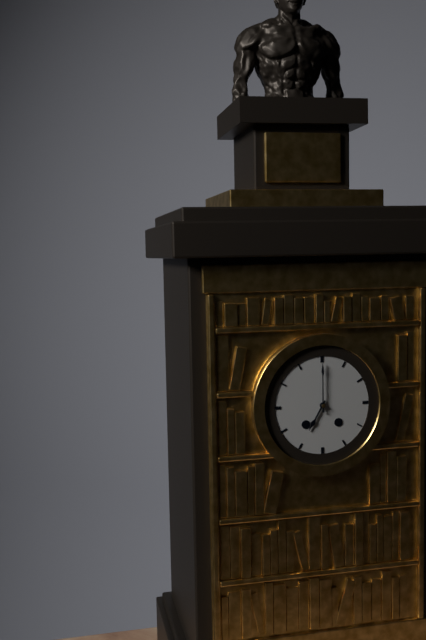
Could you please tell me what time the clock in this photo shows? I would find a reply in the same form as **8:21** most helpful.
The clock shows **7:00**
